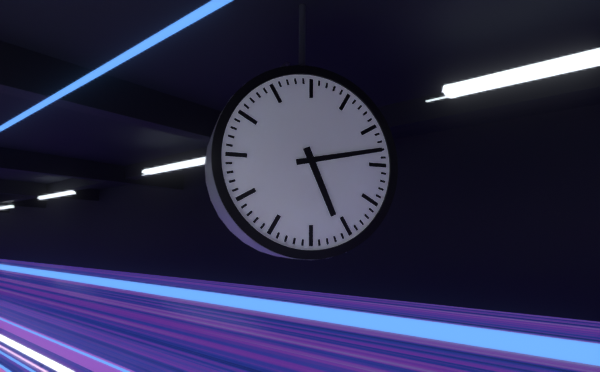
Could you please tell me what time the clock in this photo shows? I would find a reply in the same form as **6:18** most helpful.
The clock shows **5:13**
